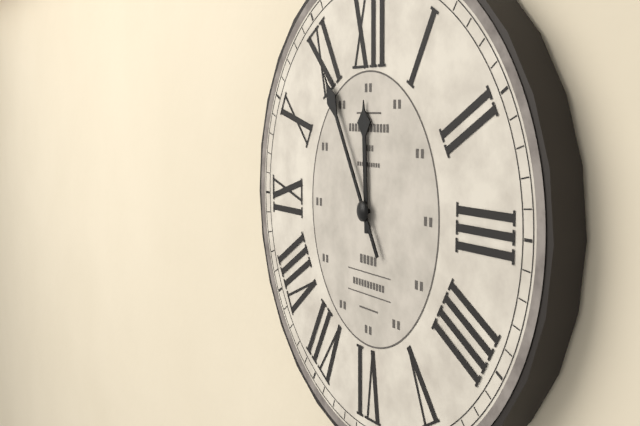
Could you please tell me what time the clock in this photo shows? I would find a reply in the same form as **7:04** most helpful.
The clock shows **11:55**
